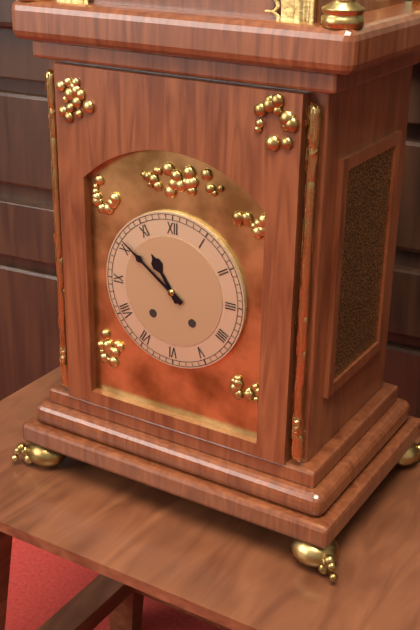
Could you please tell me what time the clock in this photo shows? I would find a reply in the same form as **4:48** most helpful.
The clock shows **10:51**
